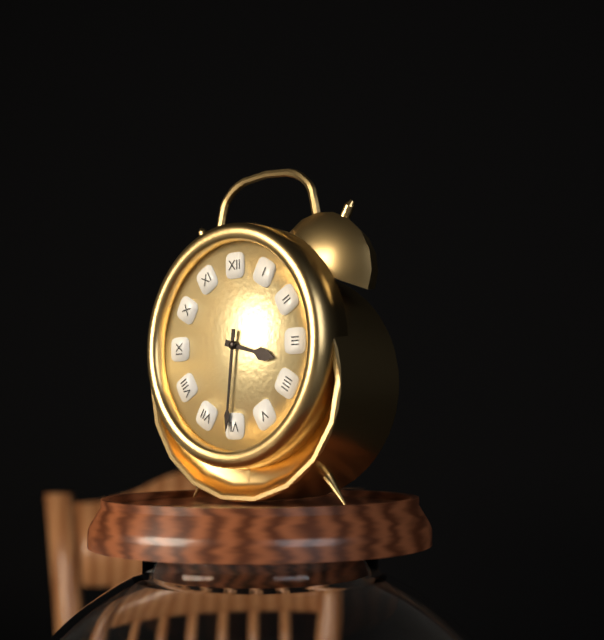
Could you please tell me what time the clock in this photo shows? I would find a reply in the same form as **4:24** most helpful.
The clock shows **3:31**
